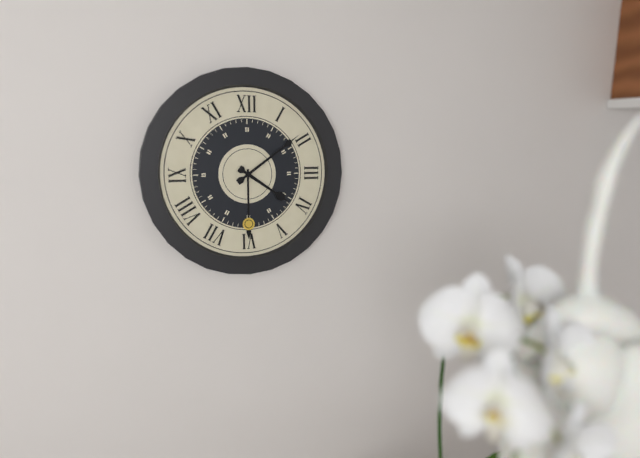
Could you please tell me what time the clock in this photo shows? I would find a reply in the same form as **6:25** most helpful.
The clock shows **4:09**
